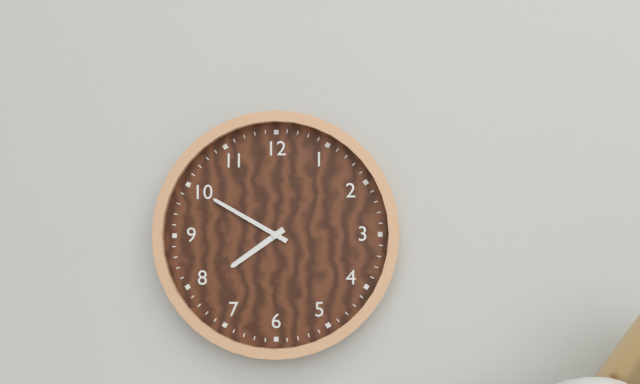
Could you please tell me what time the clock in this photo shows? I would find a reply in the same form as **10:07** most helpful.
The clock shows **7:50**
